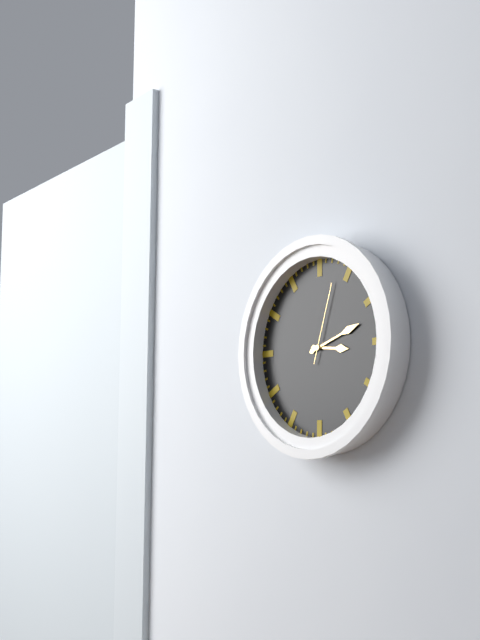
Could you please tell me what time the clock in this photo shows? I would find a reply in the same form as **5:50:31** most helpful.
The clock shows **3:12:03**
